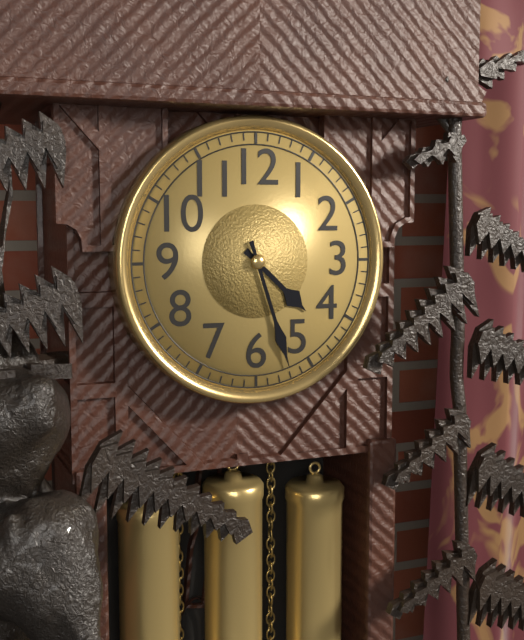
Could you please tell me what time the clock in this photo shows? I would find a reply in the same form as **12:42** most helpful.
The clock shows **4:27**
